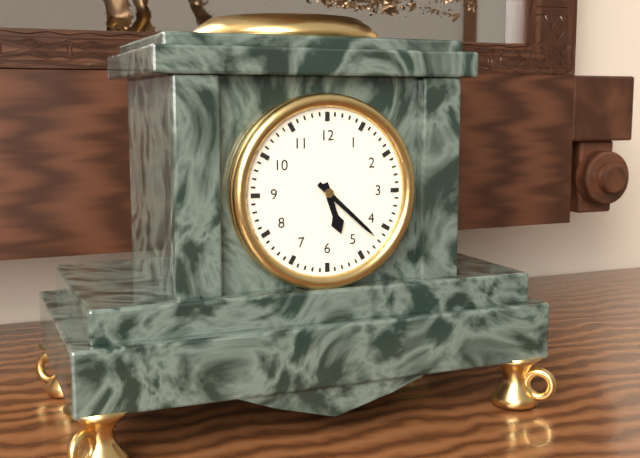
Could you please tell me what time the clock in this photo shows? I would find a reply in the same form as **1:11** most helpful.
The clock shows **5:22**
